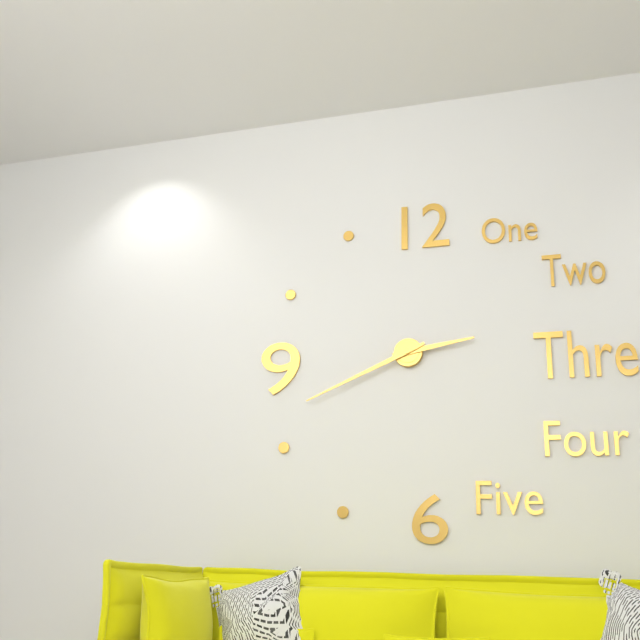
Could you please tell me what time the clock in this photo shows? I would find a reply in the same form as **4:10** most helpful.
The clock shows **2:41**
